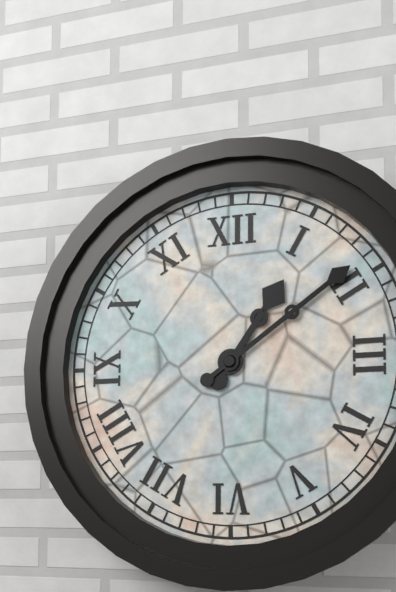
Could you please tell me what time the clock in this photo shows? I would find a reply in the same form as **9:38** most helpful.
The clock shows **1:09**
